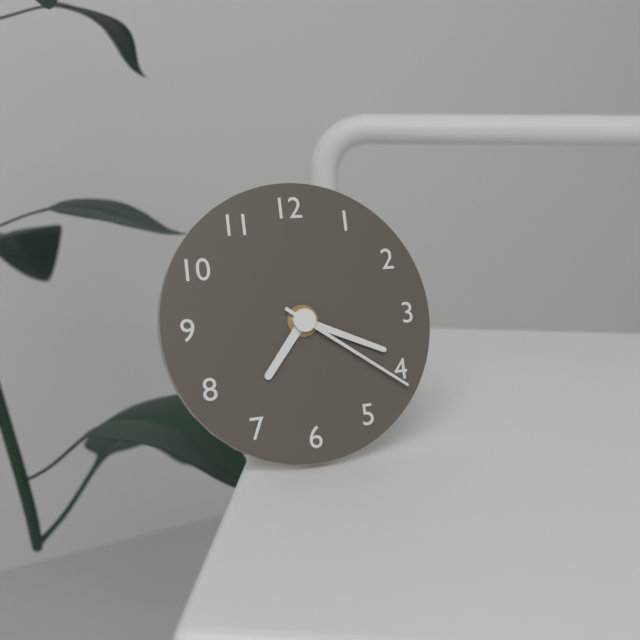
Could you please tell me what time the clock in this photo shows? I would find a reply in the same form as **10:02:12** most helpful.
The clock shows **7:19:21**
